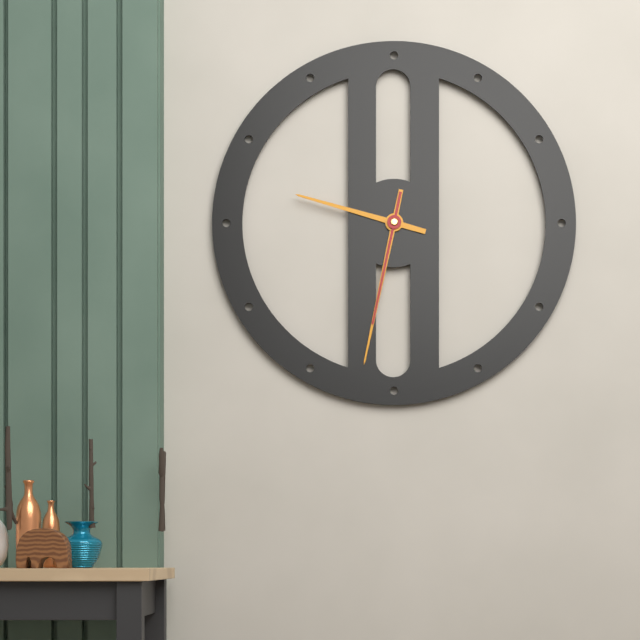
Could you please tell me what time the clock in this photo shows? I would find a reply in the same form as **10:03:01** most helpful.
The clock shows **9:32:32**
